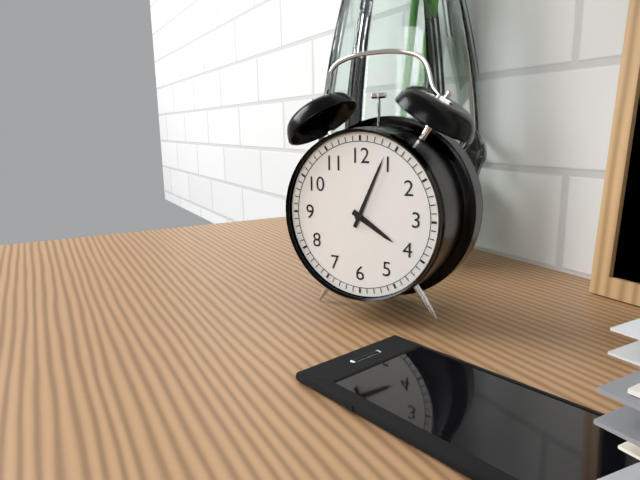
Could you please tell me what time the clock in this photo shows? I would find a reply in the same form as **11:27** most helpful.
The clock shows **4:04**
